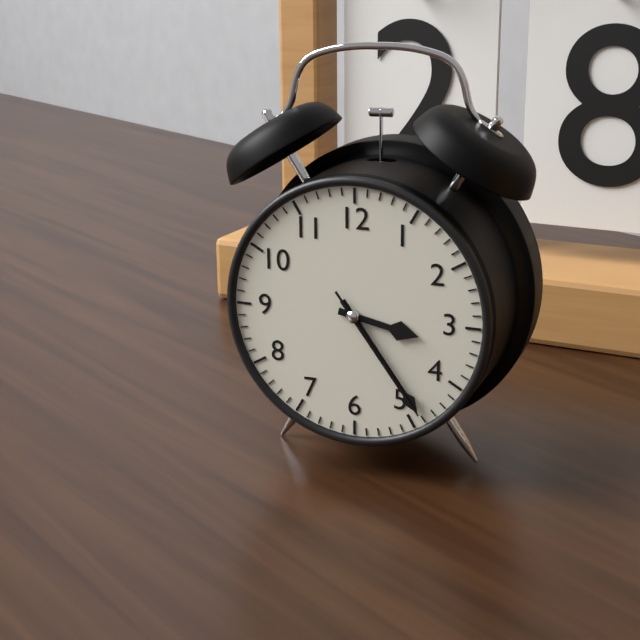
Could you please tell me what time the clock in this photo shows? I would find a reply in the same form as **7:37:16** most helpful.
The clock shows **3:24:24**
